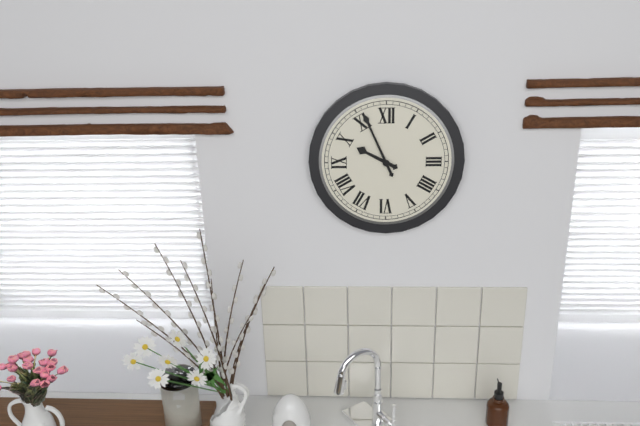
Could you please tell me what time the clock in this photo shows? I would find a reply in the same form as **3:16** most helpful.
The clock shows **9:56**
